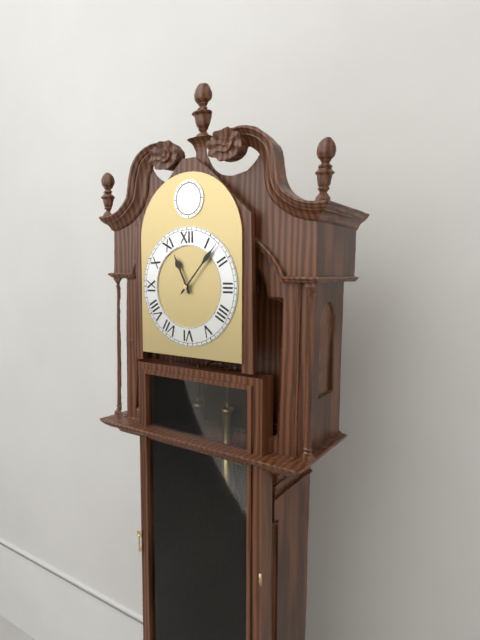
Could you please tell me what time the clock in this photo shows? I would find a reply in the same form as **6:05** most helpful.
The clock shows **11:07**
